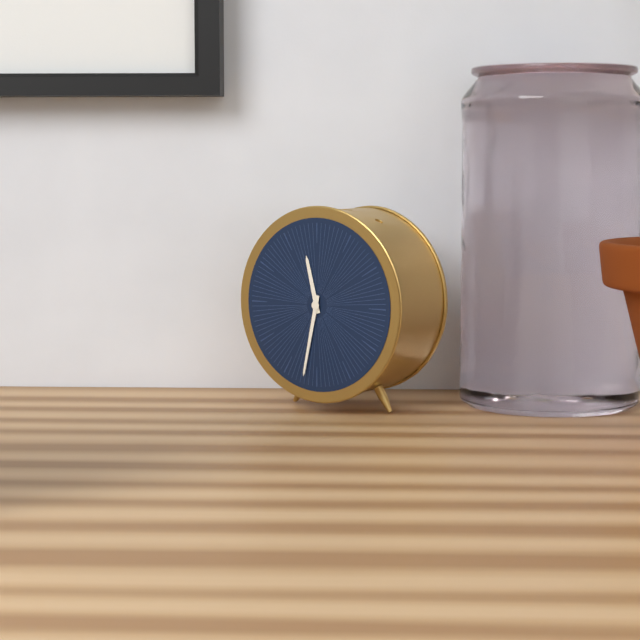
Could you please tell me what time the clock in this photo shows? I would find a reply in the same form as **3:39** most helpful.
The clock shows **11:32**
